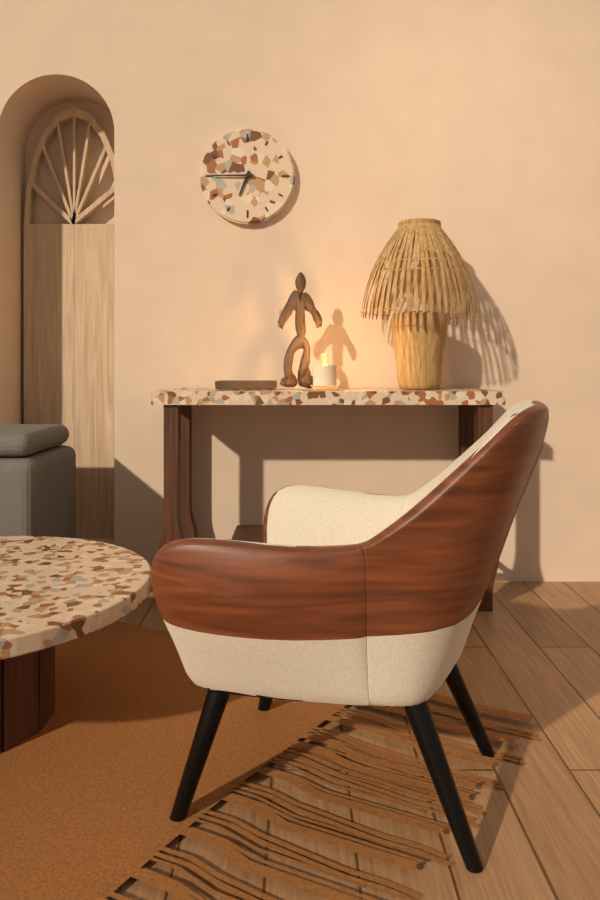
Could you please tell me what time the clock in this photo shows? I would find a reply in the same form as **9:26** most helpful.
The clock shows **6:45**
